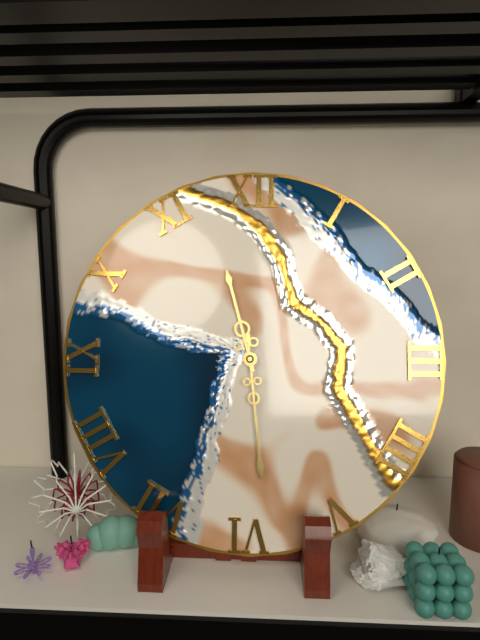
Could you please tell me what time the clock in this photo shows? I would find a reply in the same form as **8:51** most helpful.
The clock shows **11:29**
